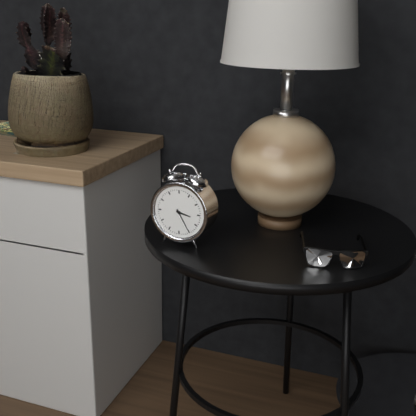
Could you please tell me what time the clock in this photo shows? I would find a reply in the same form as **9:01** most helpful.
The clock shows **3:25**
